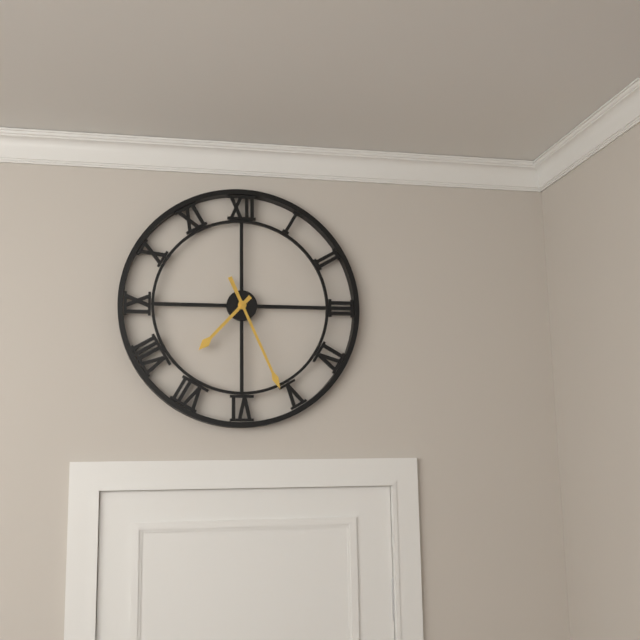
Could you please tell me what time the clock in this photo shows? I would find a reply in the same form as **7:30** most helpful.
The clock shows **7:26**
